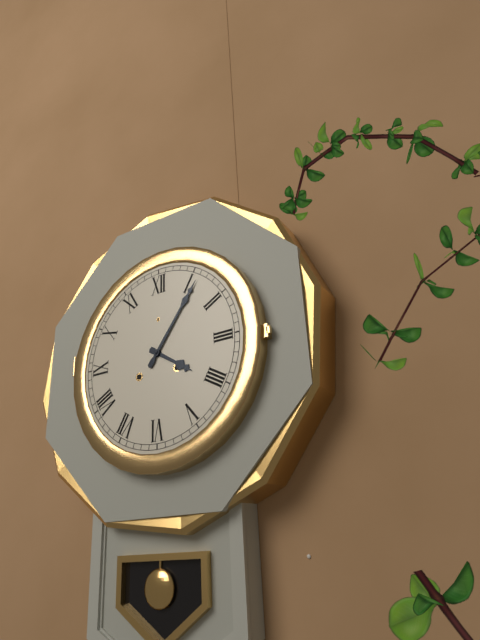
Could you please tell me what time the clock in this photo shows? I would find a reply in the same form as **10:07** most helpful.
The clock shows **4:06**
